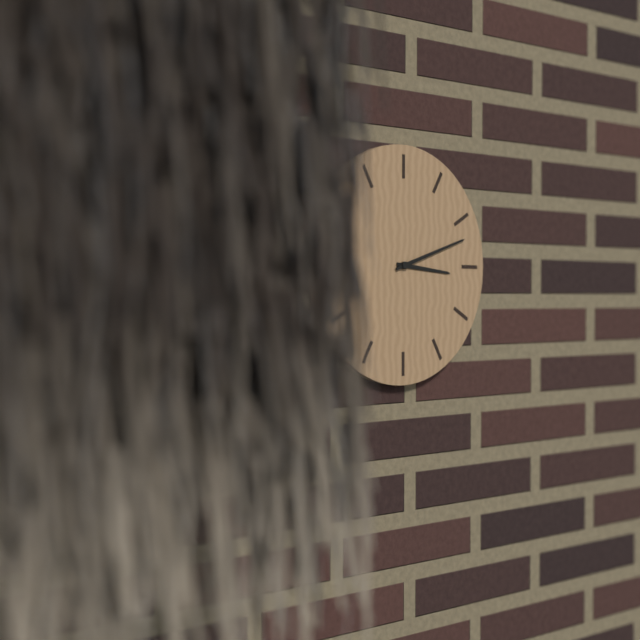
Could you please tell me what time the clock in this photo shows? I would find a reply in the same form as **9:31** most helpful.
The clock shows **3:12**
